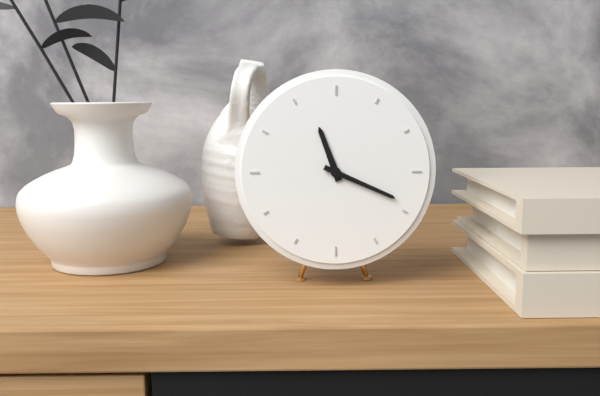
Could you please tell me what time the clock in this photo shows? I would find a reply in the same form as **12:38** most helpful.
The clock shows **11:19**
